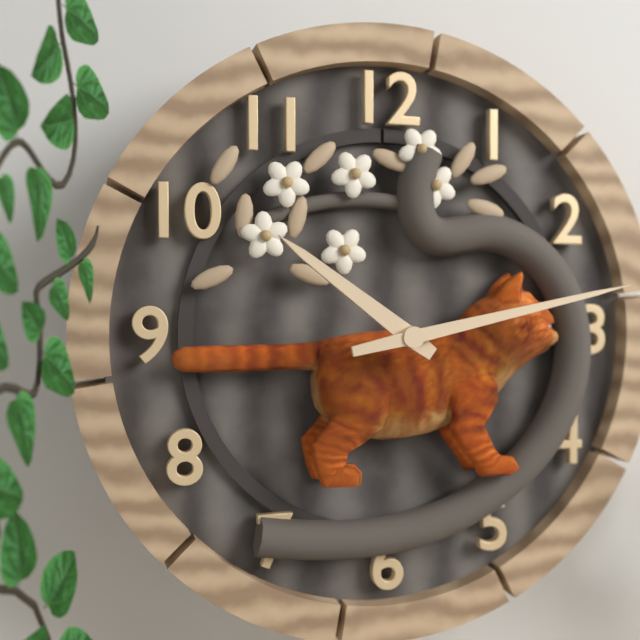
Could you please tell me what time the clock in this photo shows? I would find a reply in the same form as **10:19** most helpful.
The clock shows **10:13**
